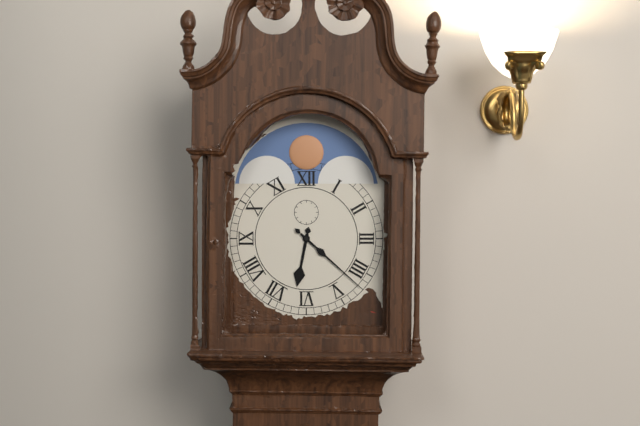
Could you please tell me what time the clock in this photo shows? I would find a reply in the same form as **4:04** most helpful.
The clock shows **6:22**
